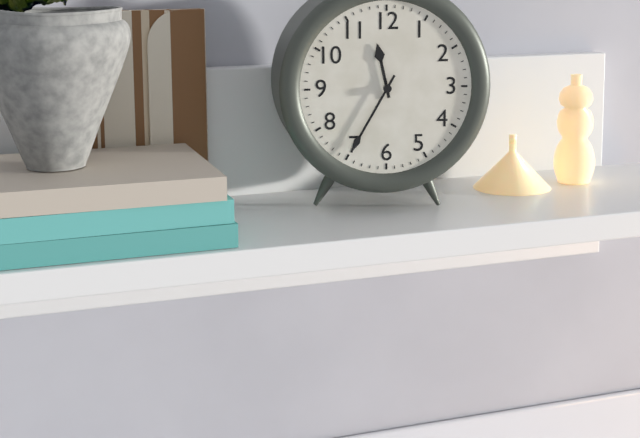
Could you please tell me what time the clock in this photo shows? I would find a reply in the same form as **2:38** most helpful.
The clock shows **11:35**
